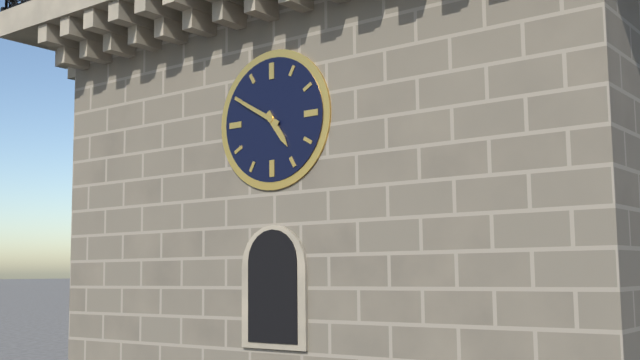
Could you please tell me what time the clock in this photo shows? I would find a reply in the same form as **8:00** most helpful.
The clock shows **4:50**
